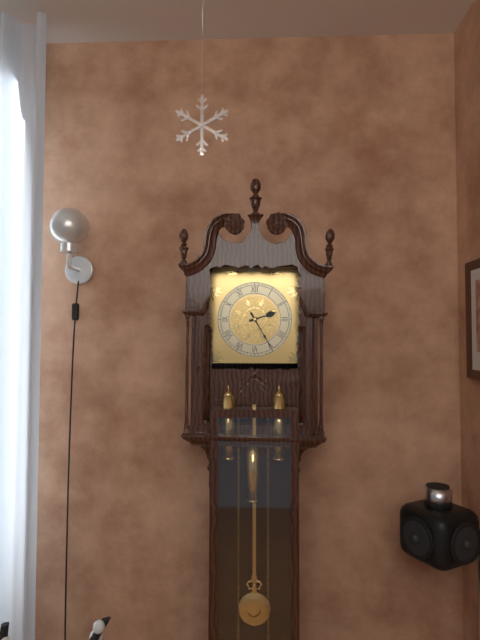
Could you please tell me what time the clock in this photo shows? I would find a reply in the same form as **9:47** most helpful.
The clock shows **2:25**
